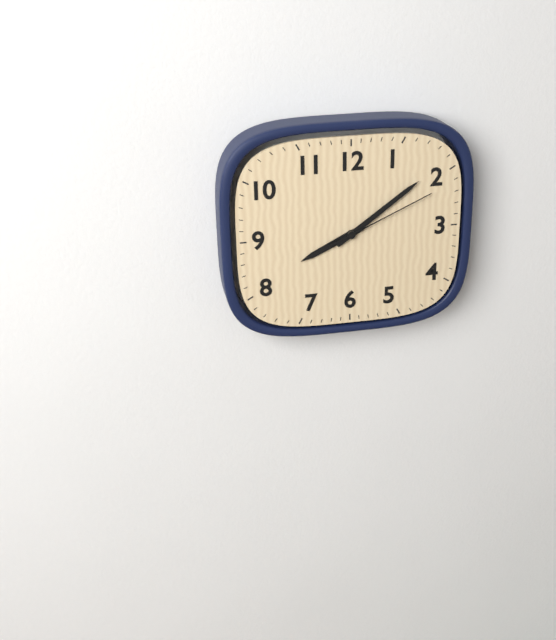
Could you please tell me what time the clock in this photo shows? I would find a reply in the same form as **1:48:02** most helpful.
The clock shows **8:09:11**
